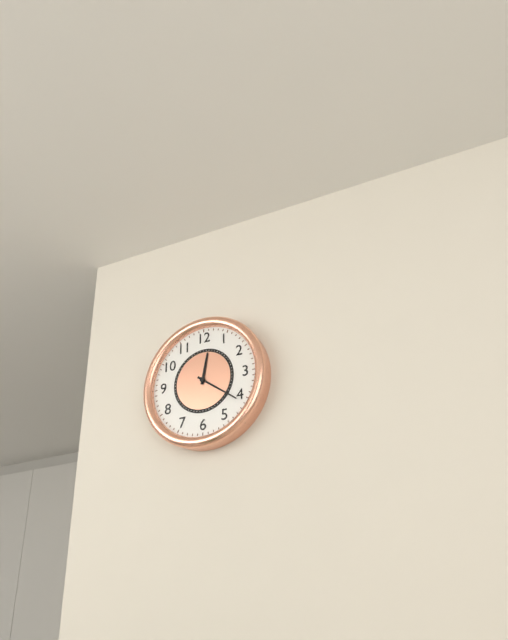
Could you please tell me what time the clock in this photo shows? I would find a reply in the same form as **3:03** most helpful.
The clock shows **12:21**
